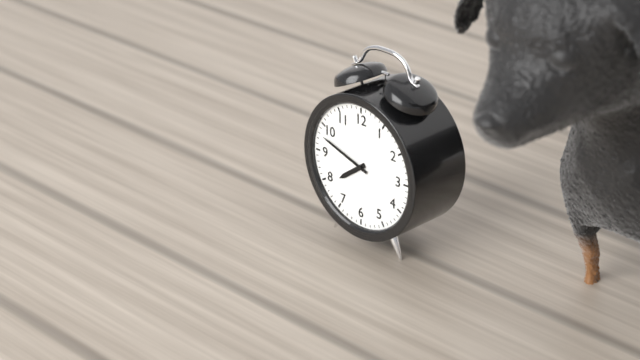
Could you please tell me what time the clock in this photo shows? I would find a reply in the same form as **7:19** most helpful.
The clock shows **7:48**
